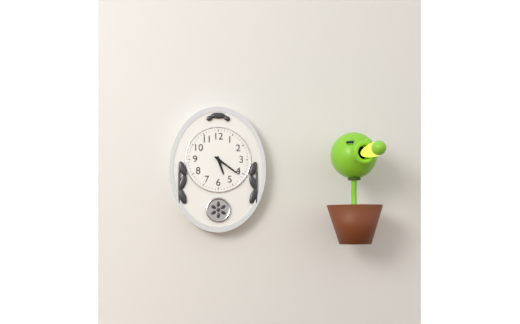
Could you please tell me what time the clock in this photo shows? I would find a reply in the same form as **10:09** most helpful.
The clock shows **5:21**
